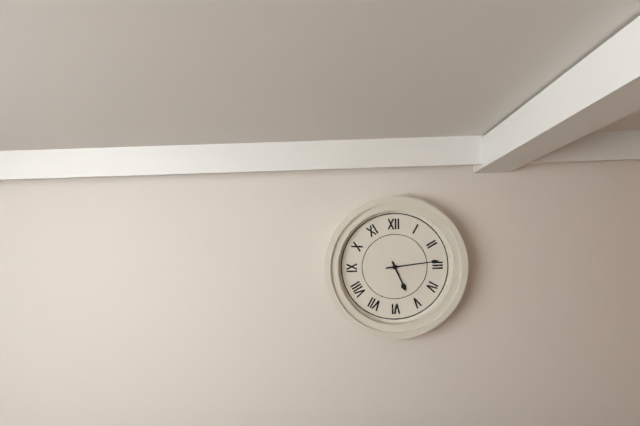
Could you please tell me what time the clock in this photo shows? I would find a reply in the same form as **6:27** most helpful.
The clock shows **5:14**
